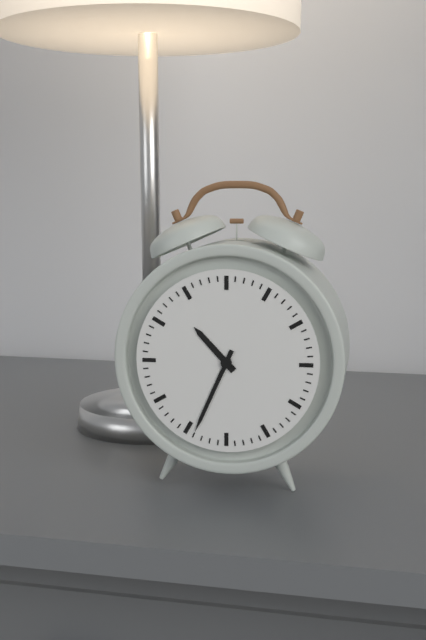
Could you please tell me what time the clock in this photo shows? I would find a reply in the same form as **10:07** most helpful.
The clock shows **10:34**
